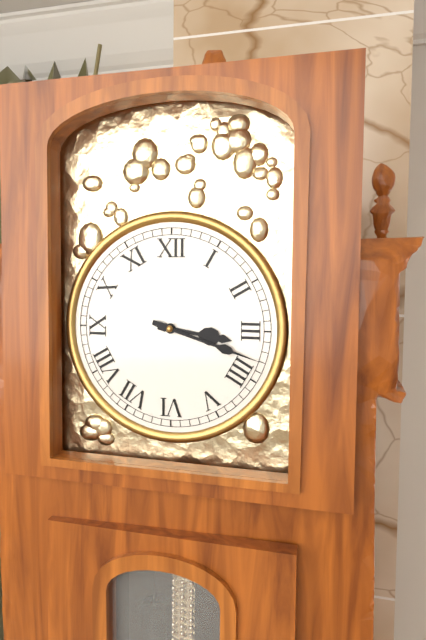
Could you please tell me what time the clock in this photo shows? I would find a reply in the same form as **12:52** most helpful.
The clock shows **3:18**
